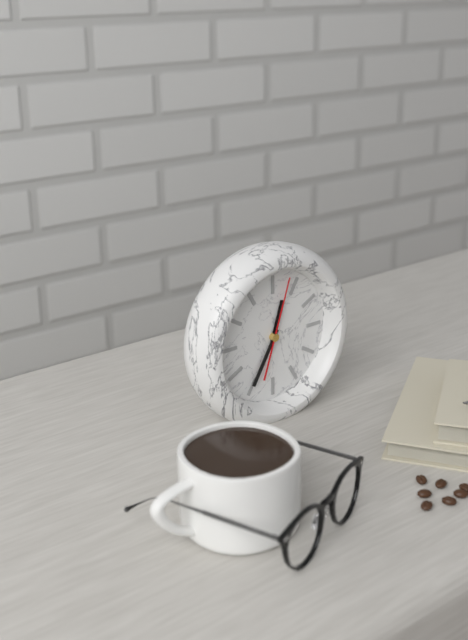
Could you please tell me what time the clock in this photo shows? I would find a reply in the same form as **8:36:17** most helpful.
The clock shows **12:35:03**
